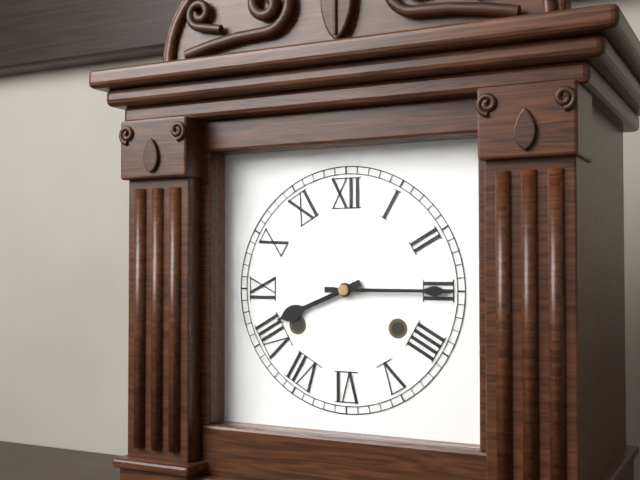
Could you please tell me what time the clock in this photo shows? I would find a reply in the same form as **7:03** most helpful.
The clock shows **8:15**
